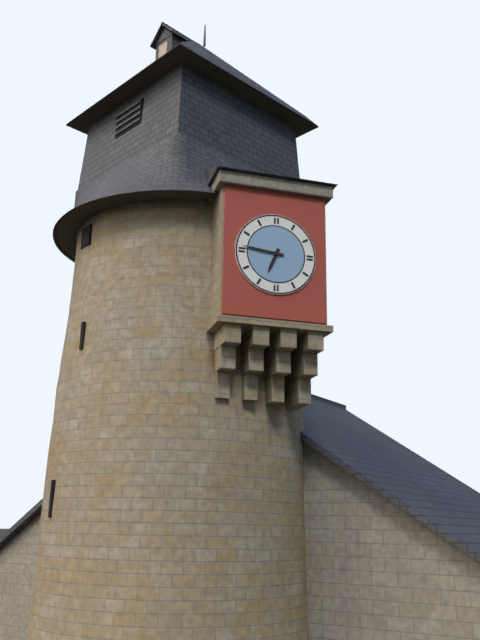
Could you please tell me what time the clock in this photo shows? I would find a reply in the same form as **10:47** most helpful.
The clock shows **6:46**
